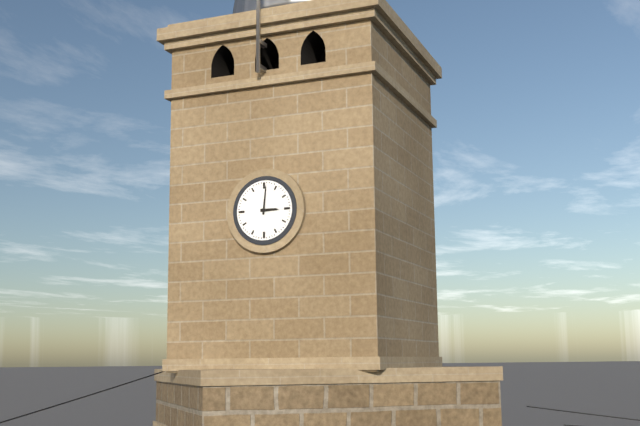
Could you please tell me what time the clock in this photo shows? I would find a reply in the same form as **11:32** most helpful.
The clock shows **3:01**
